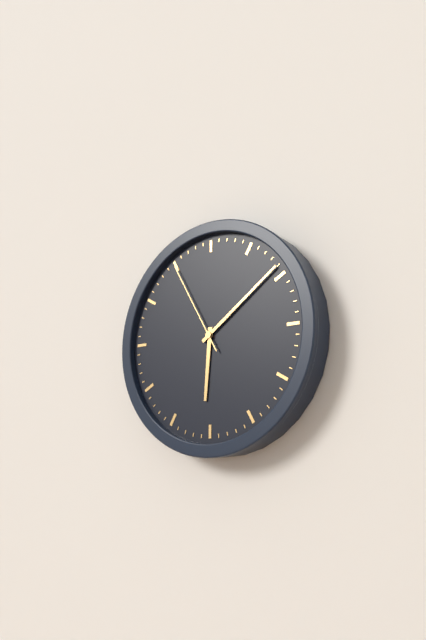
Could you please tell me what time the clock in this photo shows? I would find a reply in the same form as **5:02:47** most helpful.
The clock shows **6:09:55**
